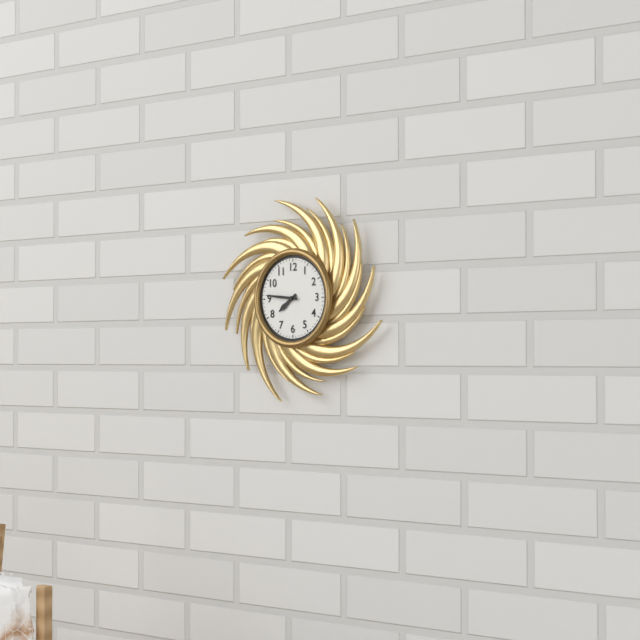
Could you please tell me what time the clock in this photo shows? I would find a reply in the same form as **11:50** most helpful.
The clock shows **7:46**
